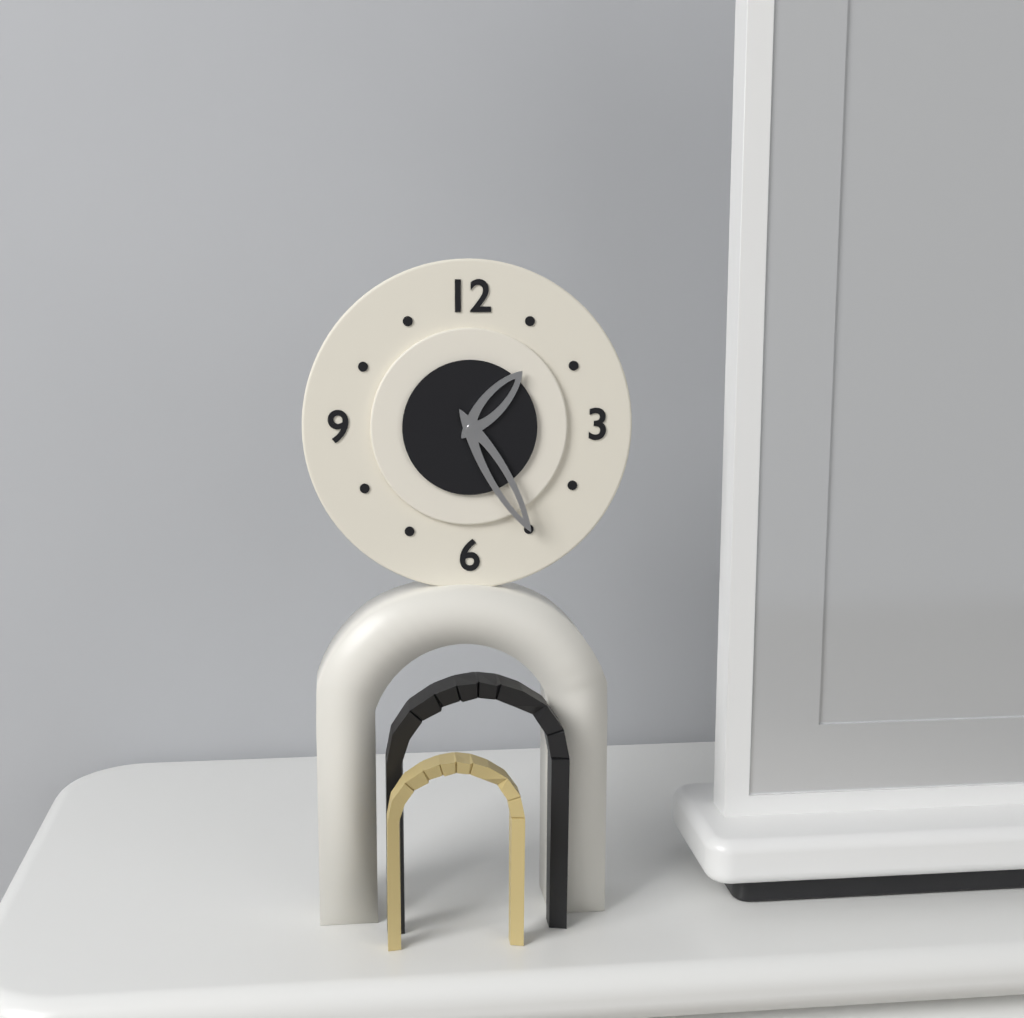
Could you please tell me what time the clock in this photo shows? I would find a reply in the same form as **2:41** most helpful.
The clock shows **1:25**
